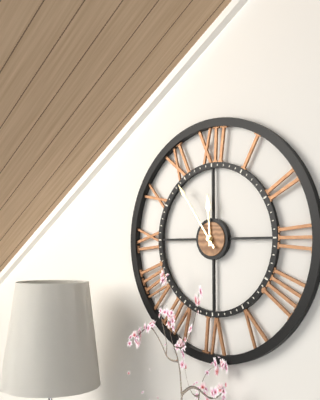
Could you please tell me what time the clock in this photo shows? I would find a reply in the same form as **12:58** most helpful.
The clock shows **11:54**
